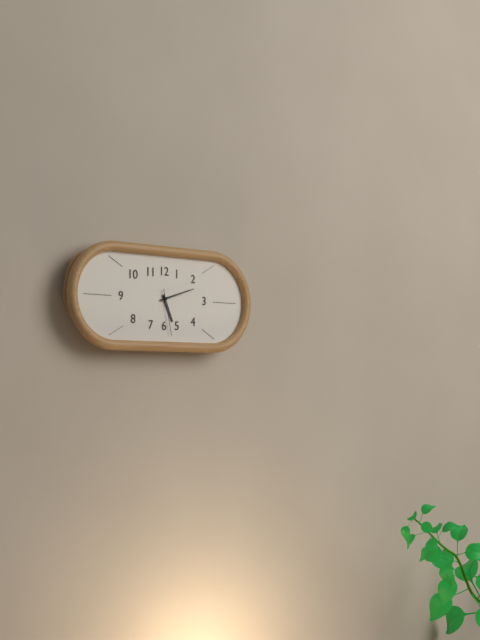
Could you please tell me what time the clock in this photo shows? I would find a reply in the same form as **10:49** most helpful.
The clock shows **5:12**
